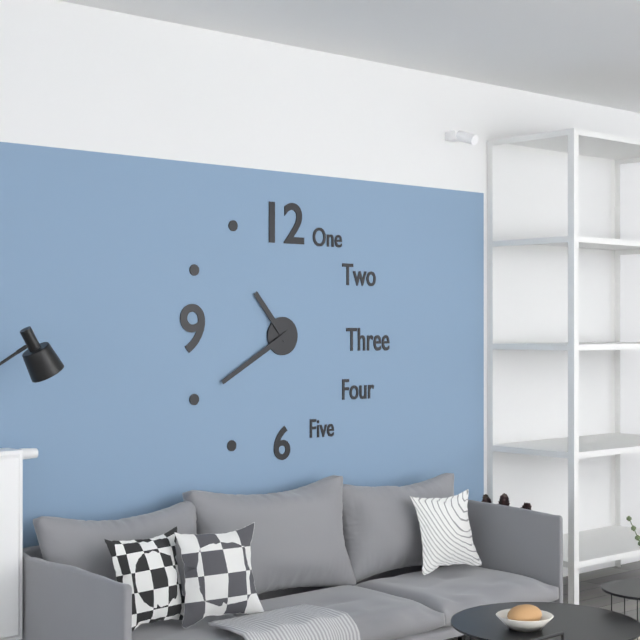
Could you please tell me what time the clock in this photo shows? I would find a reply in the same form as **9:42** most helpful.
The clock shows **10:40**
